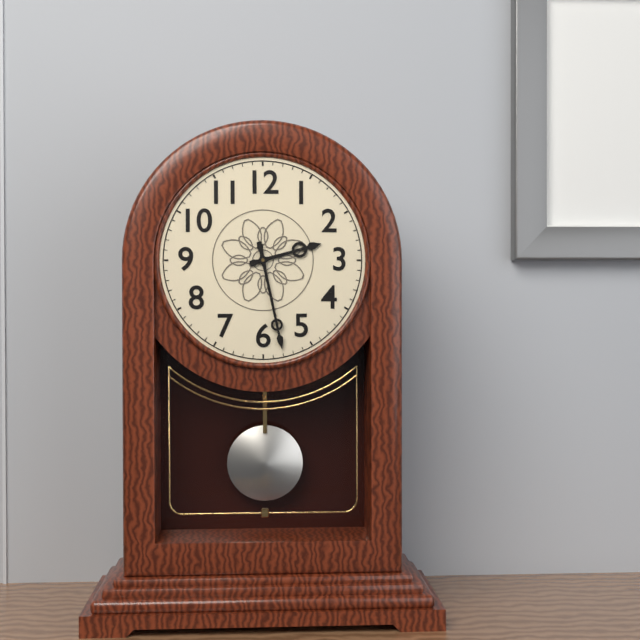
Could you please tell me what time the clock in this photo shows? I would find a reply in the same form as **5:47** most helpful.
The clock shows **2:28**
